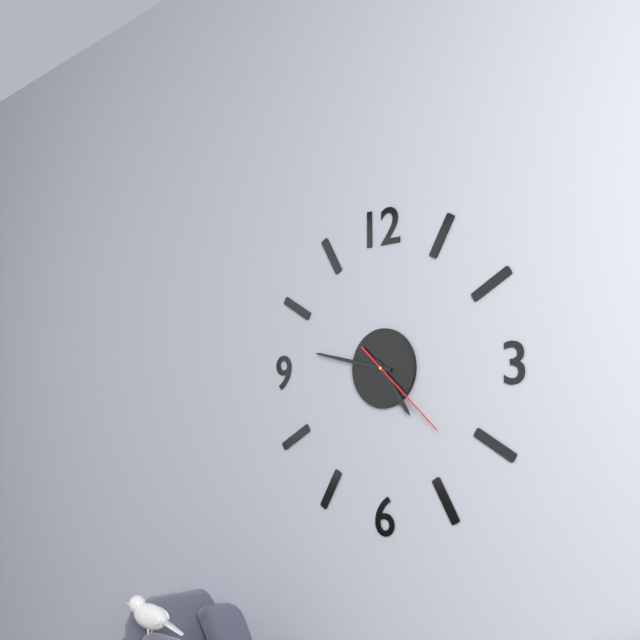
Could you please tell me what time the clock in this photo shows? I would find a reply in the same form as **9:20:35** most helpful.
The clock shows **4:47:22**
